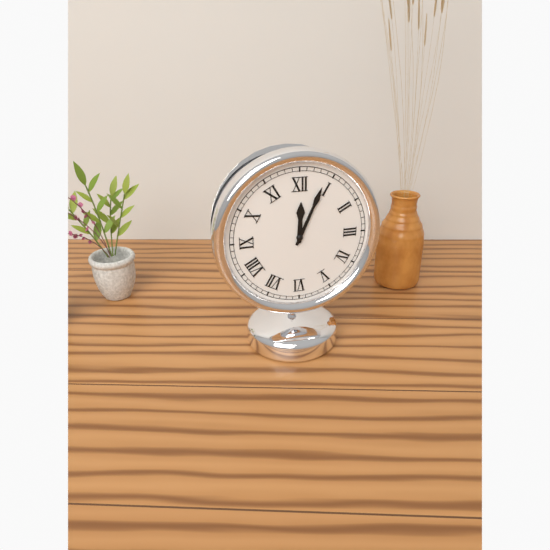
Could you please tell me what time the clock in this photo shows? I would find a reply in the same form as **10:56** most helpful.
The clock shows **12:04**
